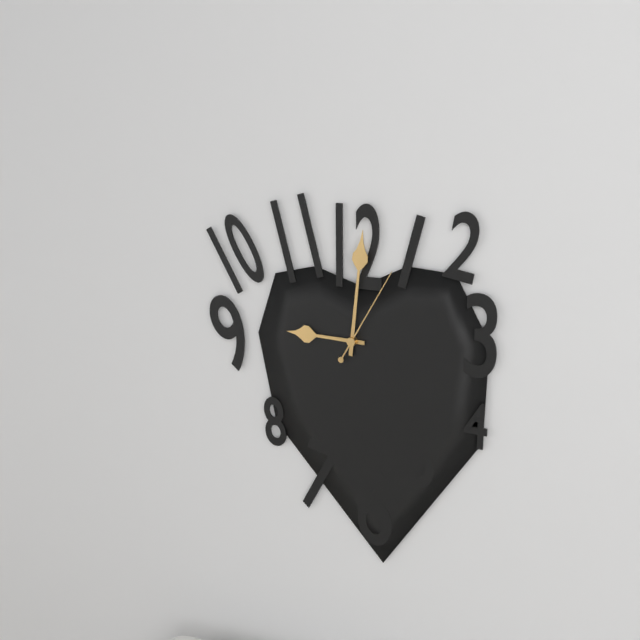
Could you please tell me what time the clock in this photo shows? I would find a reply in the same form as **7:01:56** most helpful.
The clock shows **9:01:05**
